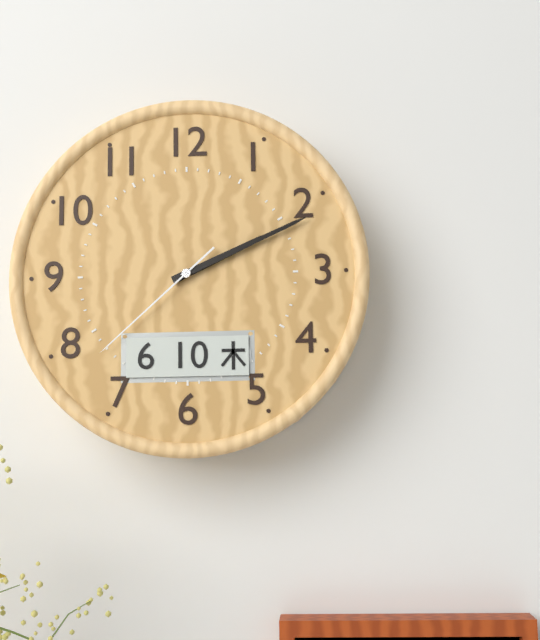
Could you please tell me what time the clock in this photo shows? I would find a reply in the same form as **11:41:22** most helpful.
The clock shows **2:11:38**
